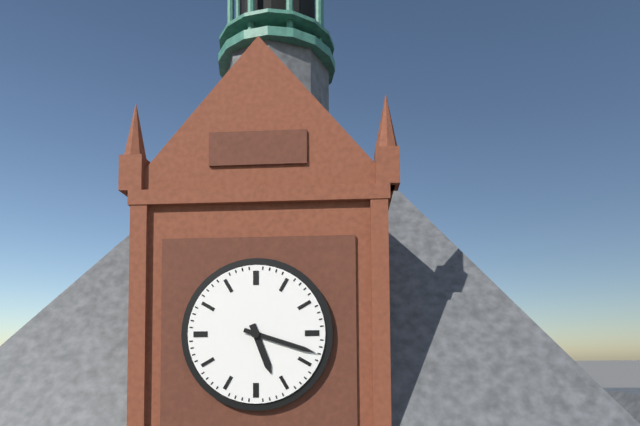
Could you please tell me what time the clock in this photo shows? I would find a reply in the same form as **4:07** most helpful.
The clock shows **5:18**
